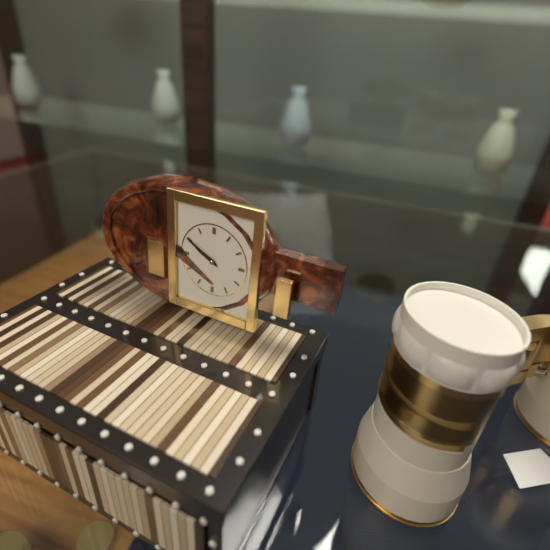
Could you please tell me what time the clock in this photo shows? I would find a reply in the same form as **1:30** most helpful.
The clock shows **9:50**
